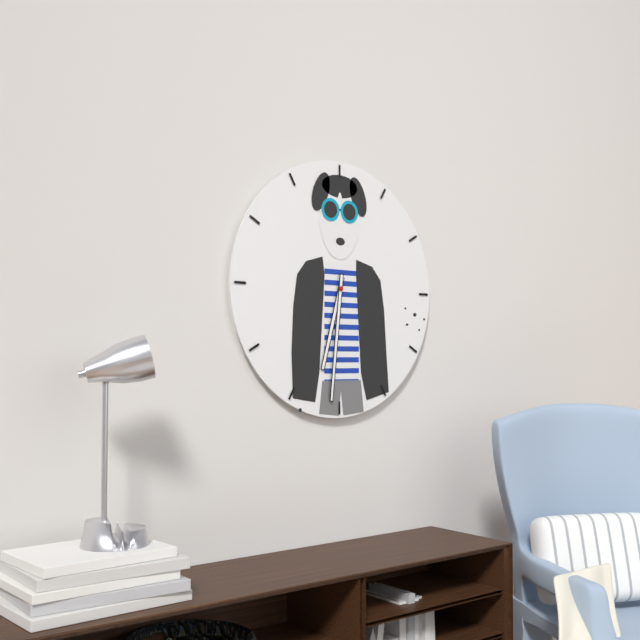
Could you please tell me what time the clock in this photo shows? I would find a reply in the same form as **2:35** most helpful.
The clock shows **6:31**
